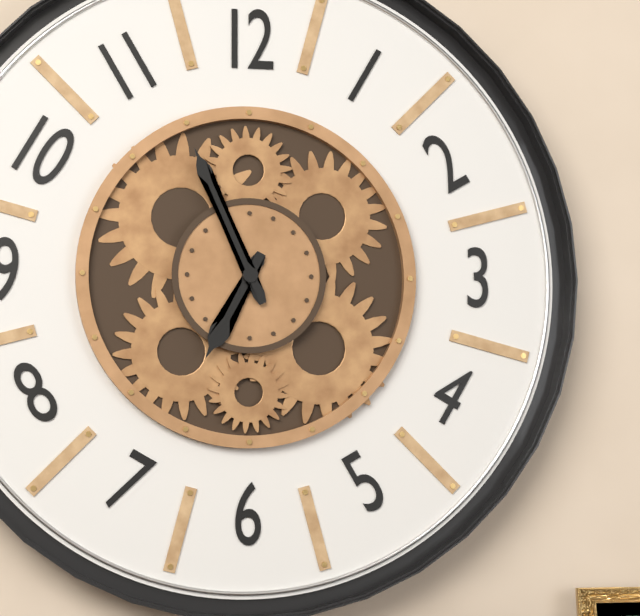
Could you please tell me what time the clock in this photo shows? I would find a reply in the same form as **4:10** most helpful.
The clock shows **6:56**
